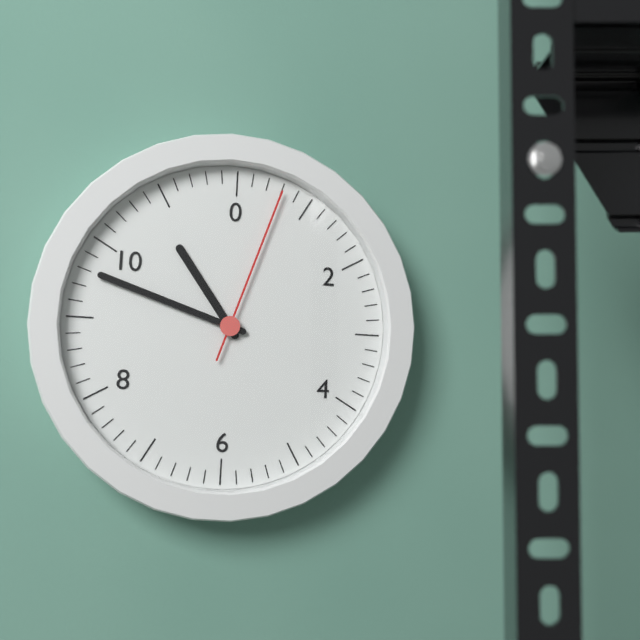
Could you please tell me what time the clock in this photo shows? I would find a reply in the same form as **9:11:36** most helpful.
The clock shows **10:48:03**
